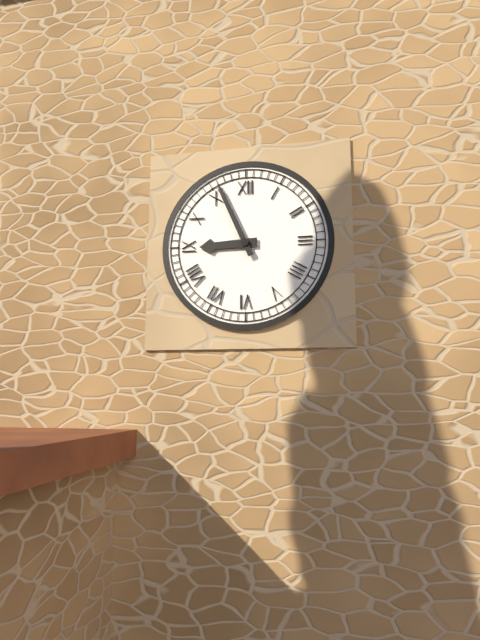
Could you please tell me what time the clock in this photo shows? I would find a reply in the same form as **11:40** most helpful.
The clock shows **8:56**
